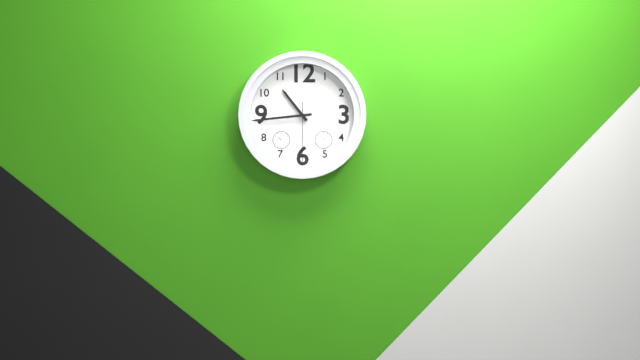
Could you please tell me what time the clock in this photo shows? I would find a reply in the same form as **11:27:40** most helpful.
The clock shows **10:44:30**
